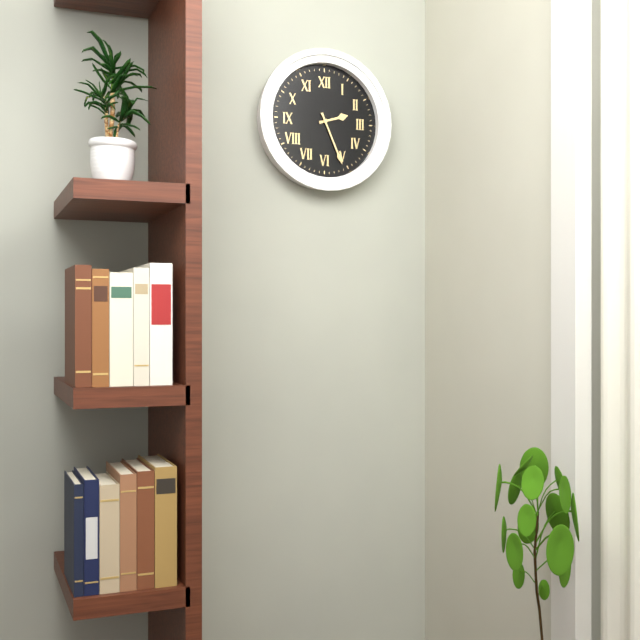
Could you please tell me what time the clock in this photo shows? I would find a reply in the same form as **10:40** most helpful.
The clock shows **2:26**
